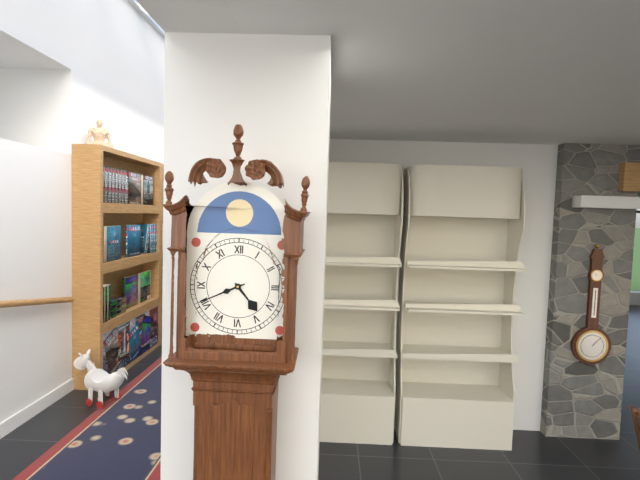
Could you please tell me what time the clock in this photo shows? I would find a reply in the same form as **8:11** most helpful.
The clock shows **4:41**
